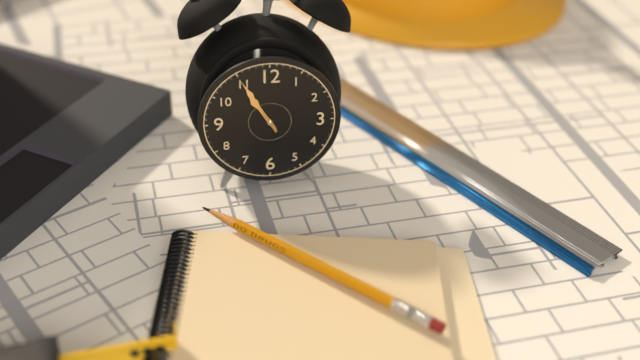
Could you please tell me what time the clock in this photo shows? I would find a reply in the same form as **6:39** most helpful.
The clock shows **10:55**
